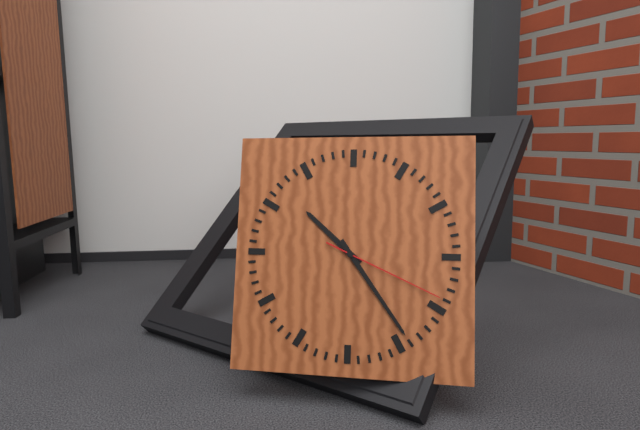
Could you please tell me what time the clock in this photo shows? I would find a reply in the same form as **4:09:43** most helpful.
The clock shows **10:24:19**
